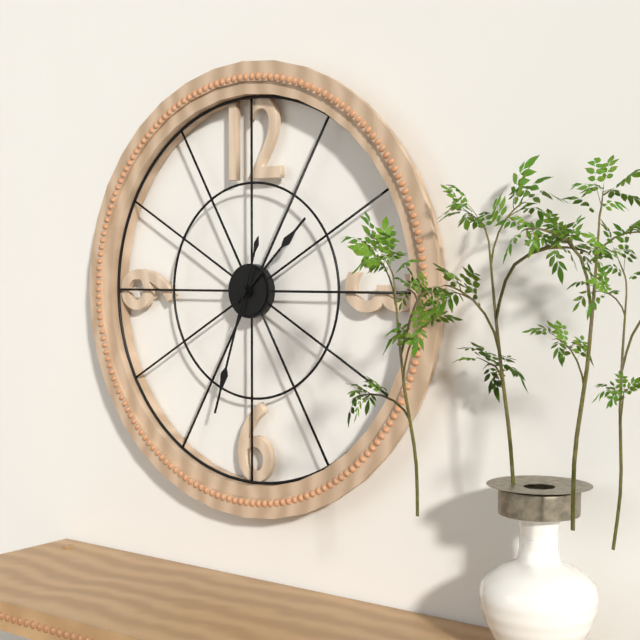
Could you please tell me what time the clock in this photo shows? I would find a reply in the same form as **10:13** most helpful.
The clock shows **1:33**
